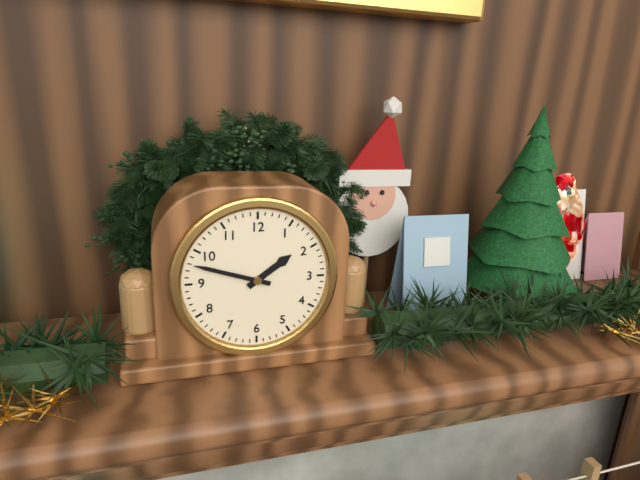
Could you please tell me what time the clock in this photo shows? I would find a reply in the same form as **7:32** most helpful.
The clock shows **1:48**
